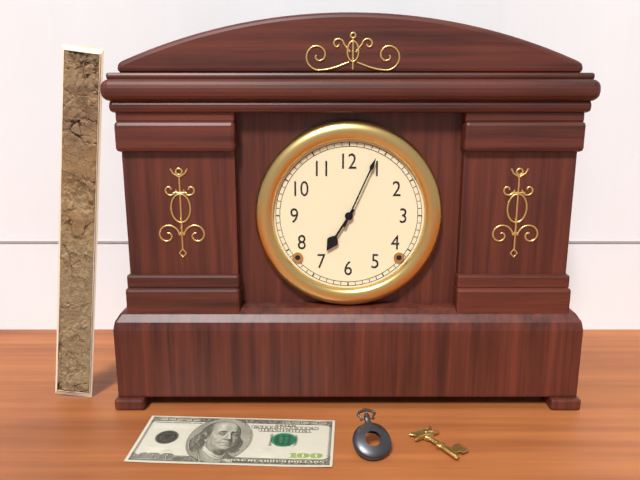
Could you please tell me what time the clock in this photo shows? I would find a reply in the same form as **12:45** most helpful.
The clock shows **7:04**
